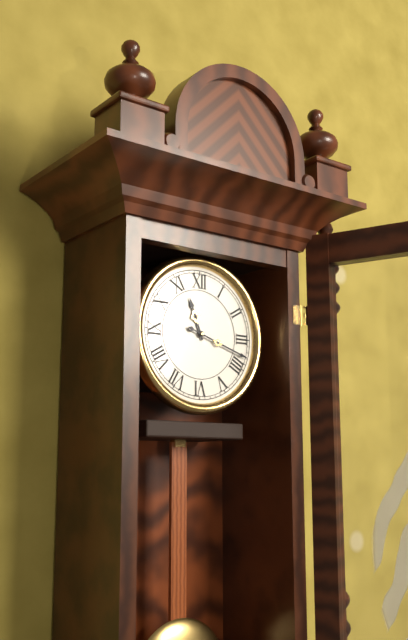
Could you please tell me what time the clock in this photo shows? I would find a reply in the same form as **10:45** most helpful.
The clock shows **11:18**
